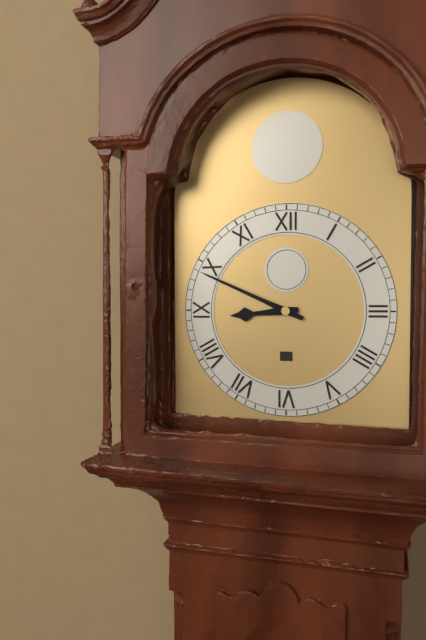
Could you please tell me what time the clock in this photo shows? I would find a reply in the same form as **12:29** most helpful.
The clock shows **8:49**
